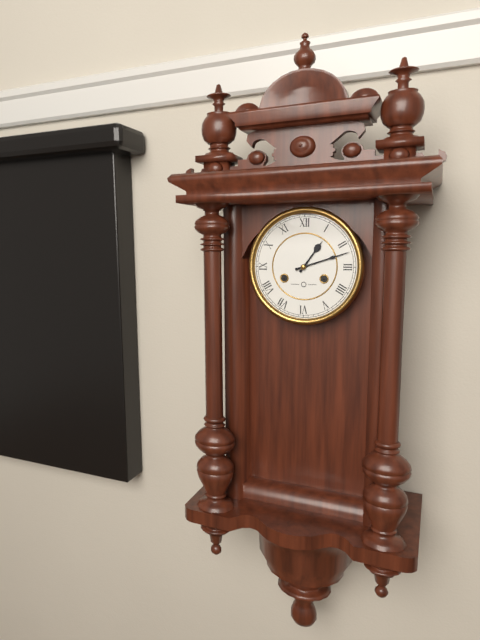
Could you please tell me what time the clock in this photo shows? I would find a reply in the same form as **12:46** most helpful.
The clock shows **1:12**
